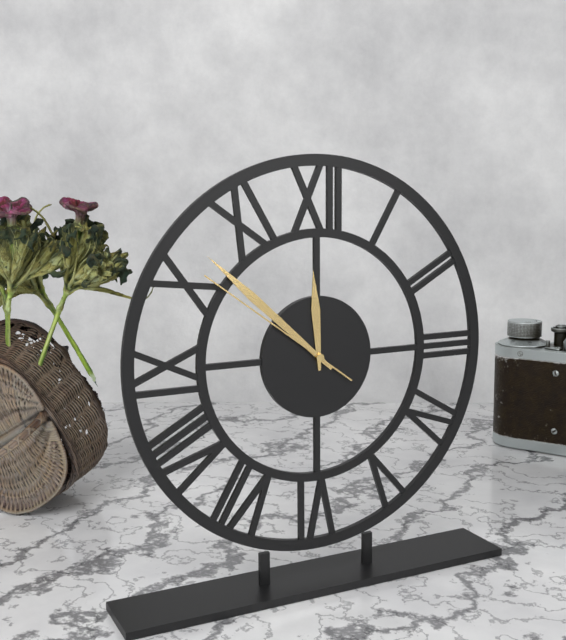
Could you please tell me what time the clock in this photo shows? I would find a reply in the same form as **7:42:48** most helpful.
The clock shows **11:52:51**
